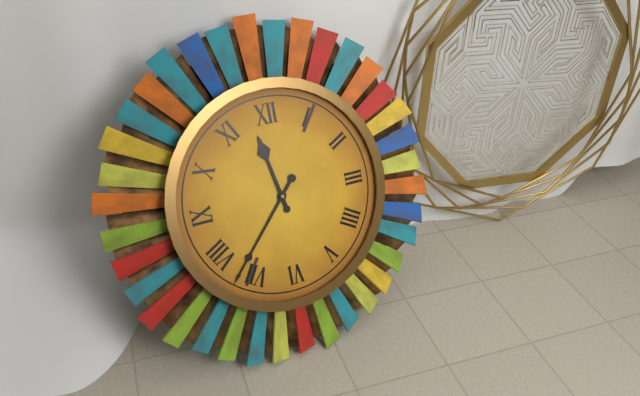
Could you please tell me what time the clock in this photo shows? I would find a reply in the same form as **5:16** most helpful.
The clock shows **11:37**
